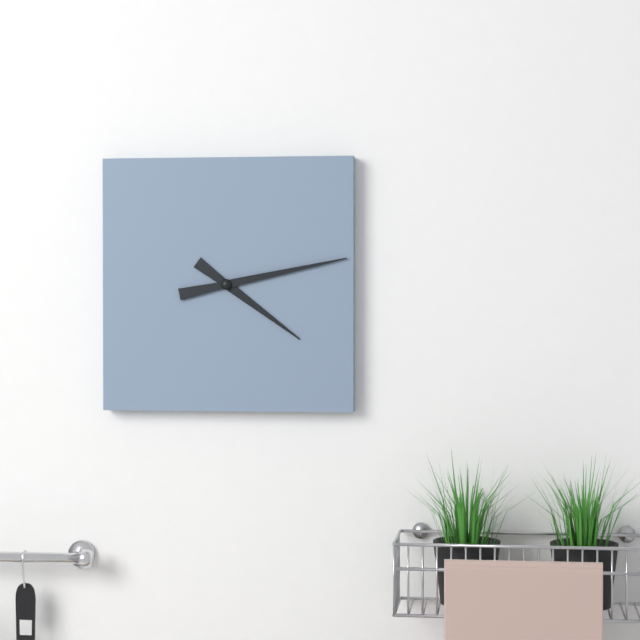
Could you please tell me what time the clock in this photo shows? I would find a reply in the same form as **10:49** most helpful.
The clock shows **4:13**
